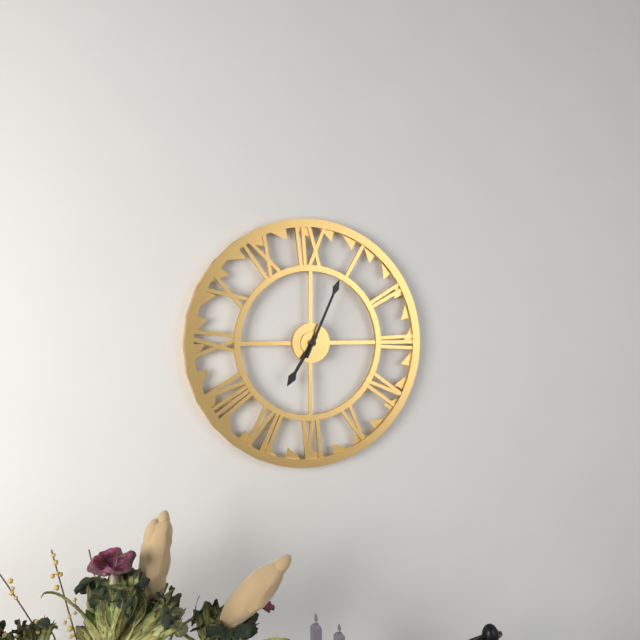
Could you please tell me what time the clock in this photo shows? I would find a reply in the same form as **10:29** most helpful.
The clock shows **7:04**
